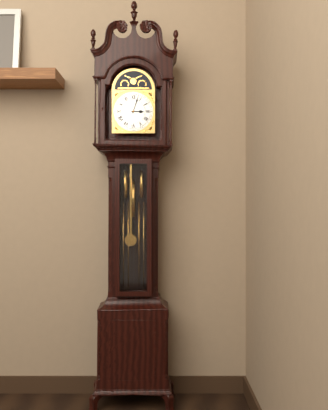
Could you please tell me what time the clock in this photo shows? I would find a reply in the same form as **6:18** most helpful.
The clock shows **3:03**
